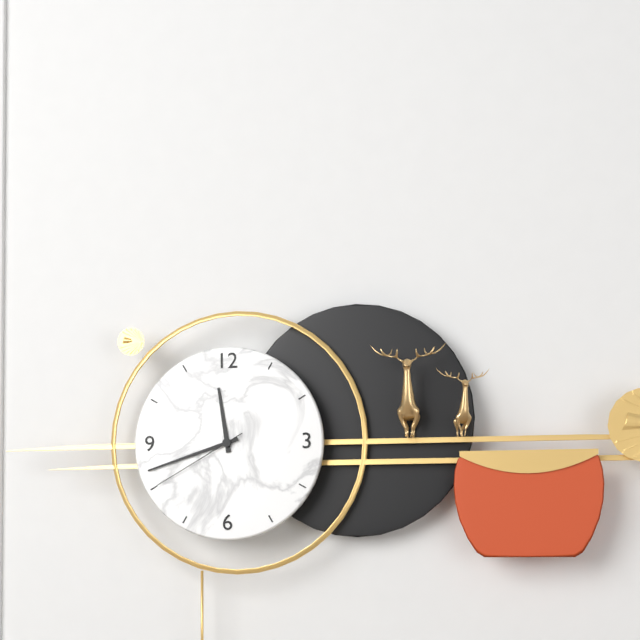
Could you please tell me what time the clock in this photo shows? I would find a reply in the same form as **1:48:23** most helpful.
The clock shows **11:42:40**
